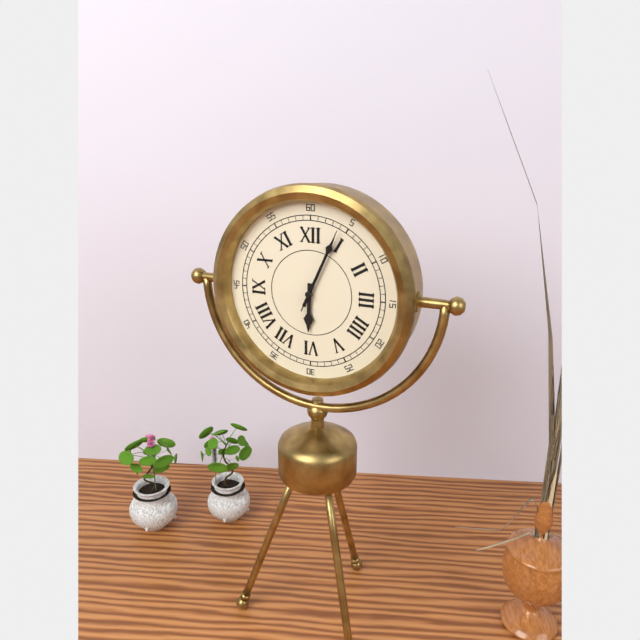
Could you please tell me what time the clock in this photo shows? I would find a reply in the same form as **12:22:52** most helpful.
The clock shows **6:04:04**
